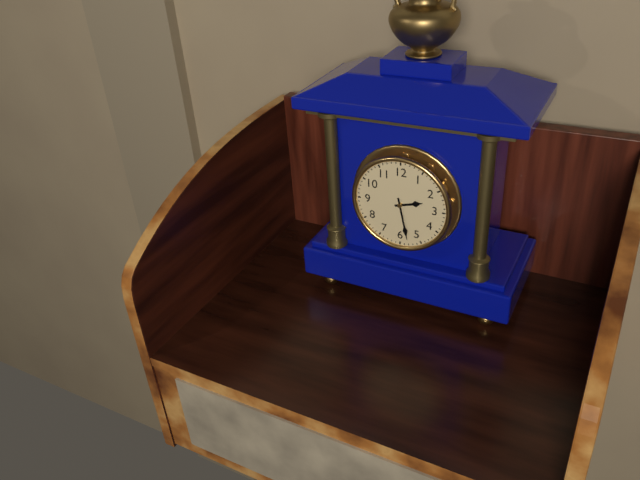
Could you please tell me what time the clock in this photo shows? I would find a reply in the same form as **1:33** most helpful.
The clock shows **2:28**
